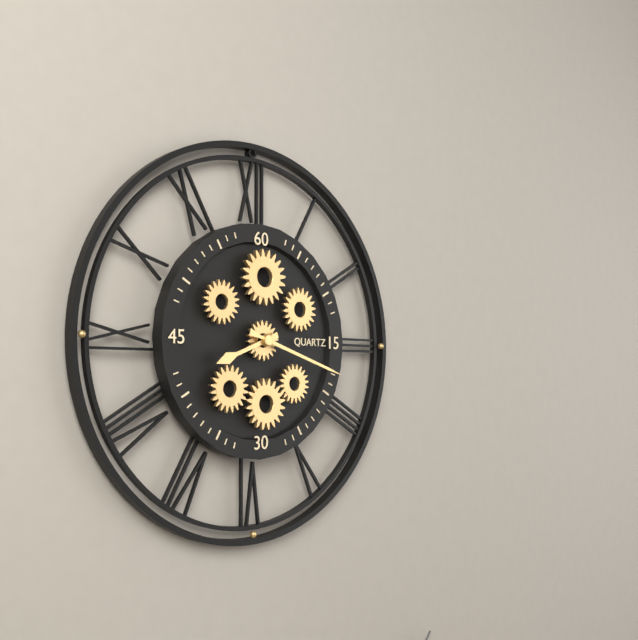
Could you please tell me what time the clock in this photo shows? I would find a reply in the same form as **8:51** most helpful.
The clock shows **8:18**
